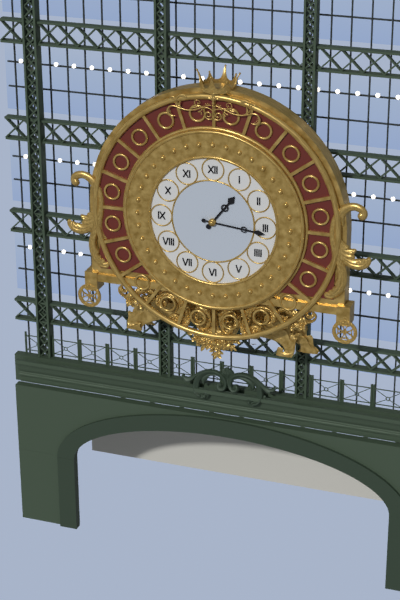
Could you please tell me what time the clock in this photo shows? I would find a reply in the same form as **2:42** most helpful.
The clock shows **1:16**
